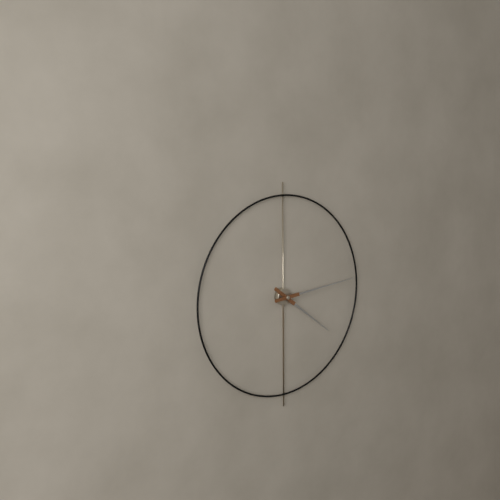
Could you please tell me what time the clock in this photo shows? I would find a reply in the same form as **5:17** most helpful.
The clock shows **4:14**
